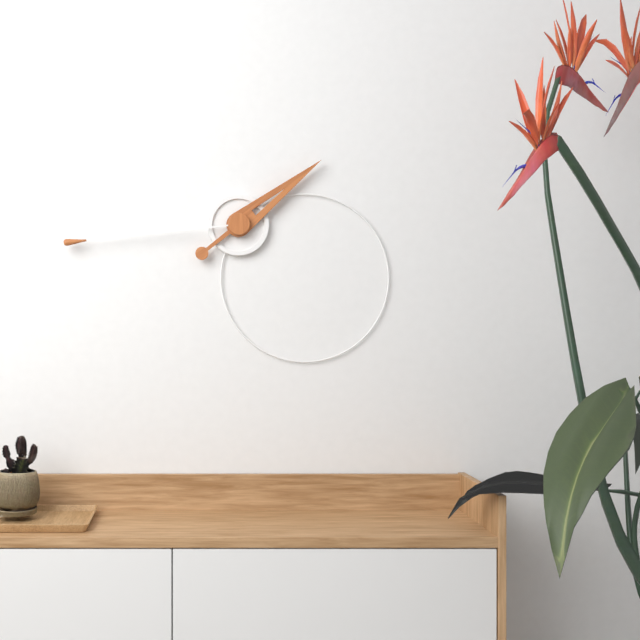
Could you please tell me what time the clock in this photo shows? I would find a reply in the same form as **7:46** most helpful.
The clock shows **1:44**
